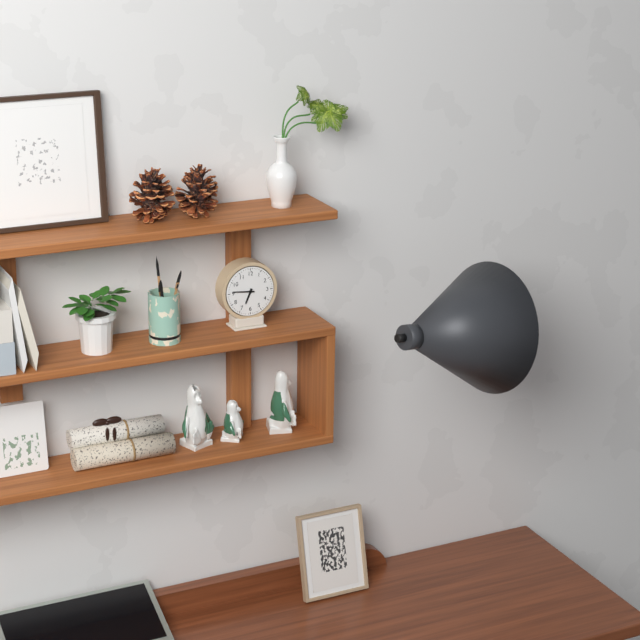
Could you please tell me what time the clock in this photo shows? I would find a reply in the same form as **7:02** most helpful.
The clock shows **6:46**
